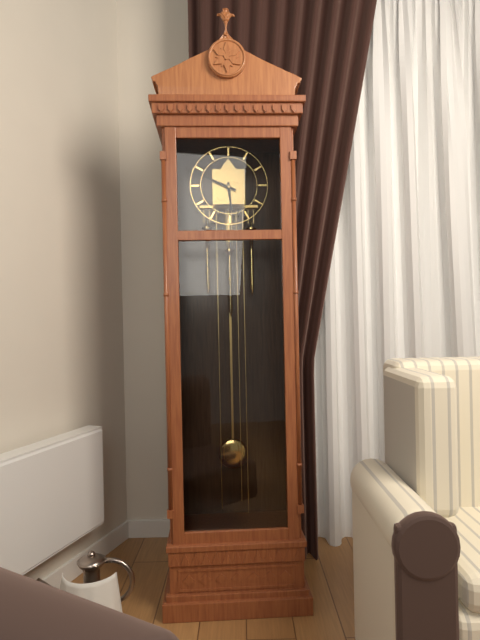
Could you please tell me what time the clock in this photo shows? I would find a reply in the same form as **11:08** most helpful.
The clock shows **5:49**
